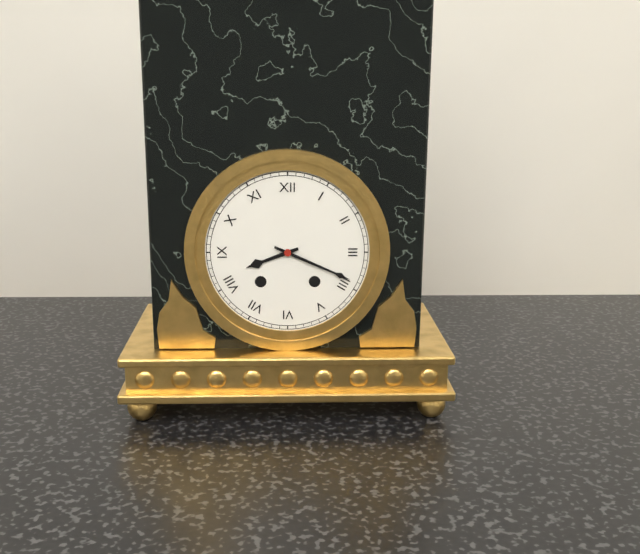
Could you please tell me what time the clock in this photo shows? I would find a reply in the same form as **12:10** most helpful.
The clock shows **8:19**
